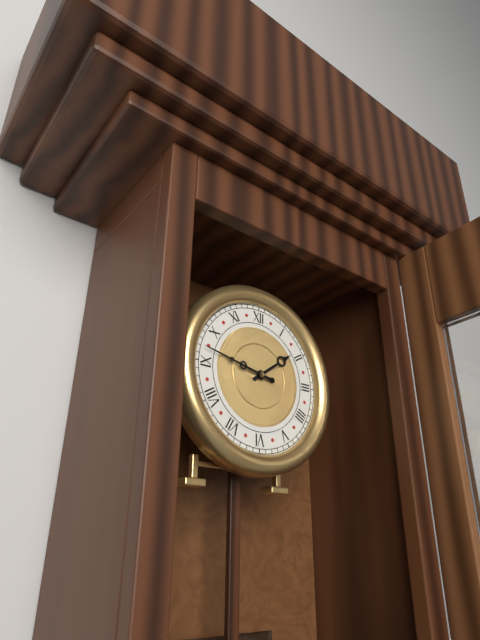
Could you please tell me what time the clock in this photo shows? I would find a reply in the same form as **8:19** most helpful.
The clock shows **1:47**
